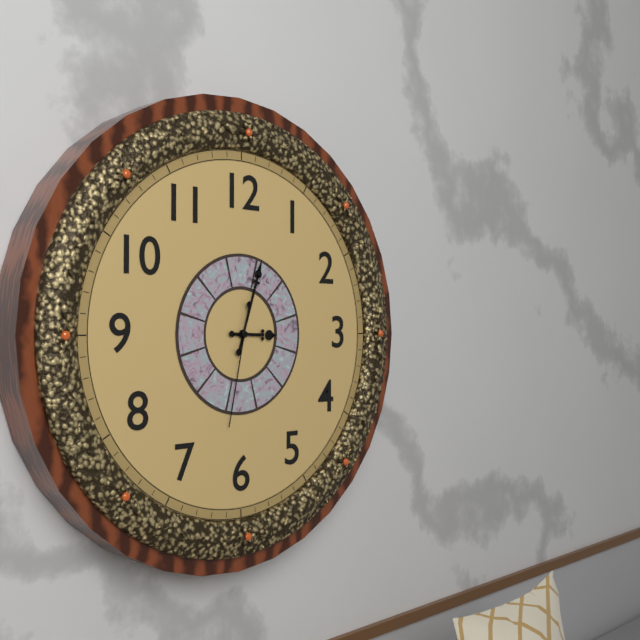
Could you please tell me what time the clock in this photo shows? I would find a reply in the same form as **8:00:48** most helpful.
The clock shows **3:03:32**
